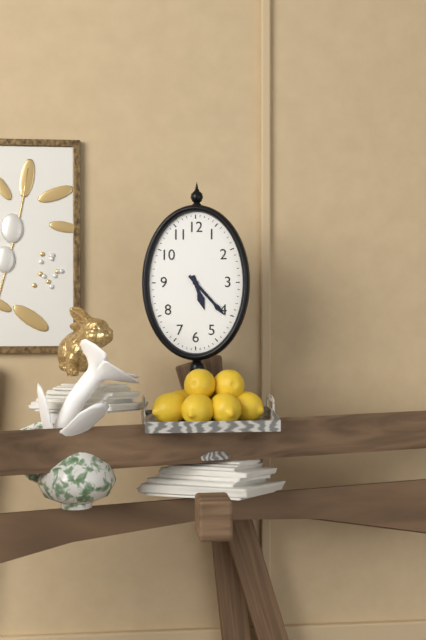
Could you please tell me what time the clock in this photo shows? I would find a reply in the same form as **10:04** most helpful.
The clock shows **5:23**
